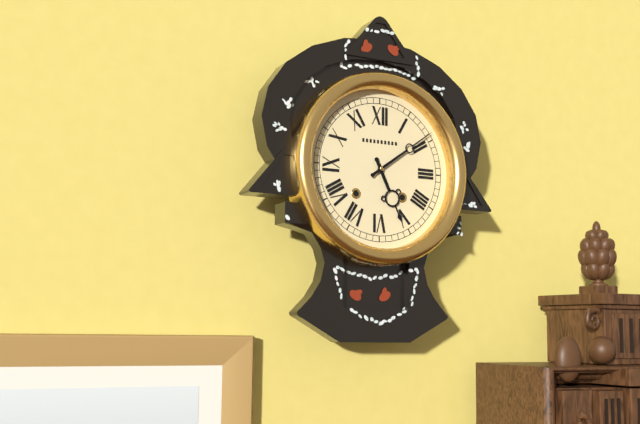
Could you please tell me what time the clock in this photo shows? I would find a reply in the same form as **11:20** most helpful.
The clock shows **5:09**
